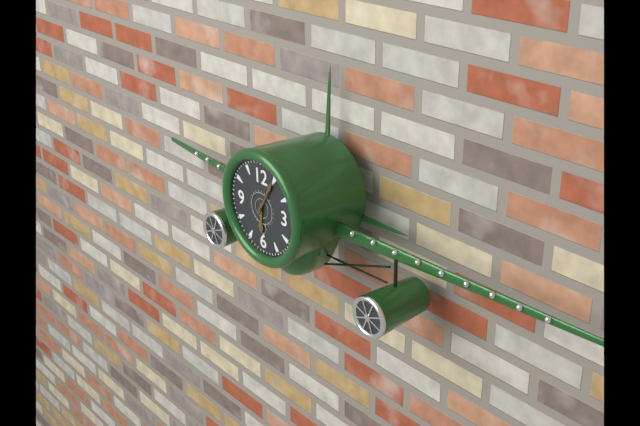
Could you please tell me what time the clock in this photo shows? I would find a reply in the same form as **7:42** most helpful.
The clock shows **6:05**
